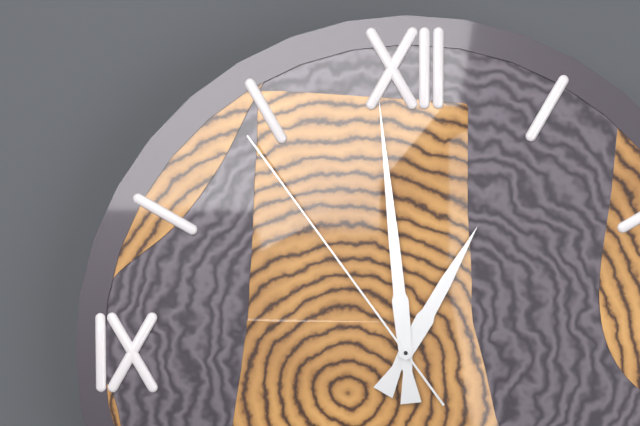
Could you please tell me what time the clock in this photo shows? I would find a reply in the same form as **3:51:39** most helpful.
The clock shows **12:59:54**
